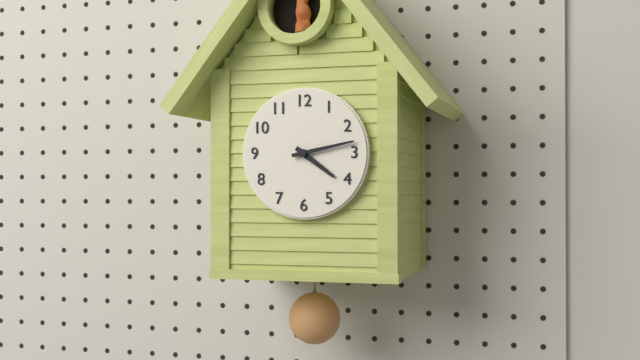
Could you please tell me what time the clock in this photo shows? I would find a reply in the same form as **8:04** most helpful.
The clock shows **4:13**
